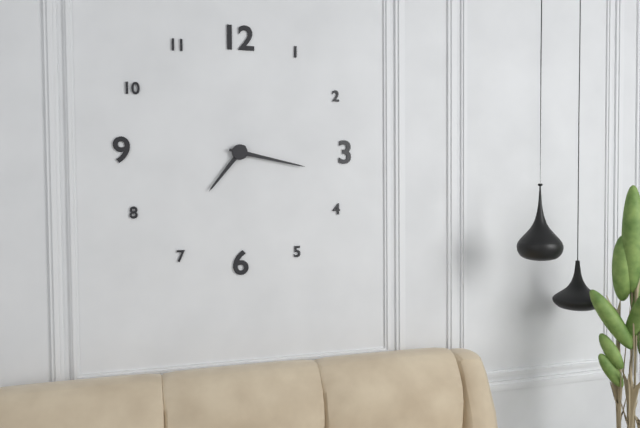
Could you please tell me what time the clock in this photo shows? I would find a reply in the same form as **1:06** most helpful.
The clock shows **7:17**
